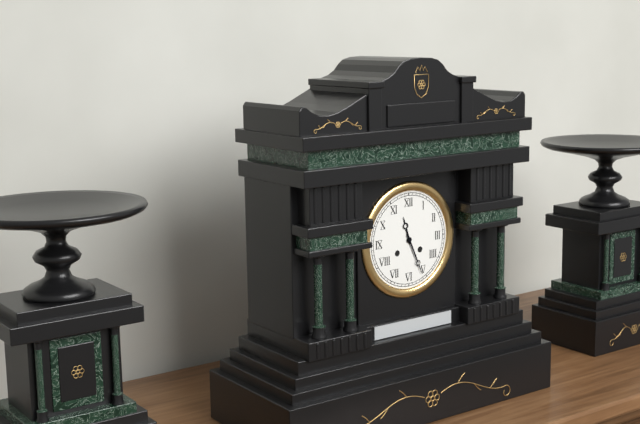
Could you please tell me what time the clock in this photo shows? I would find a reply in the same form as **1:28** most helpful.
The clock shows **11:26**
